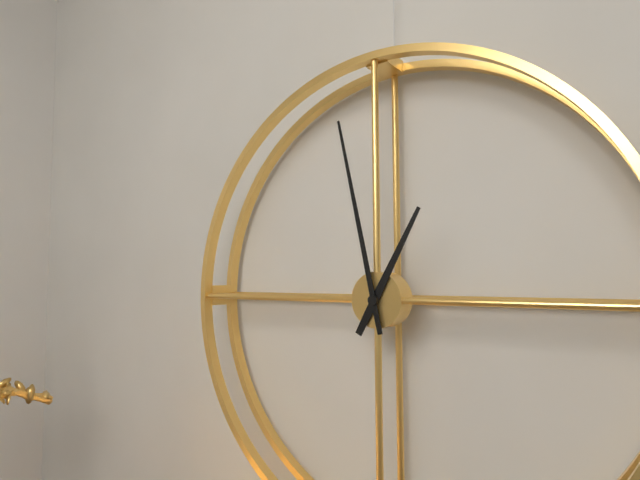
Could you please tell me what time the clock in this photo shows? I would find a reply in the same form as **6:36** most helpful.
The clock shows **12:58**
